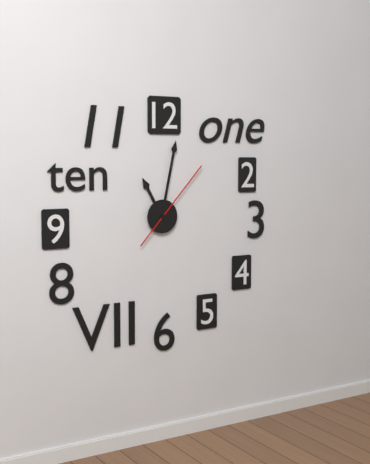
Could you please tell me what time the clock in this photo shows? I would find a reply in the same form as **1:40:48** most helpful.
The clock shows **11:02:07**
